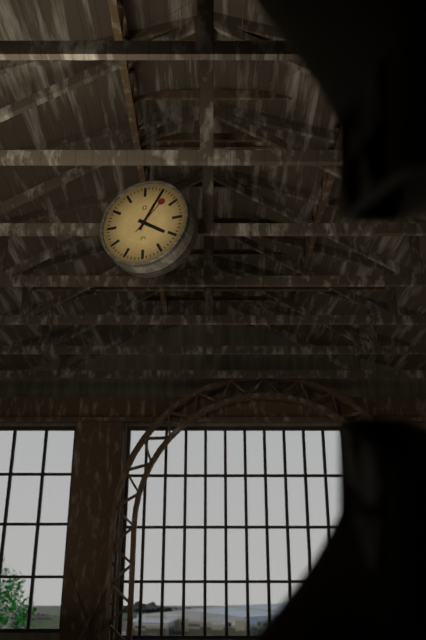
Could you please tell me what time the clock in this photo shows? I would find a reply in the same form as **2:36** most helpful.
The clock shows **4:05**
